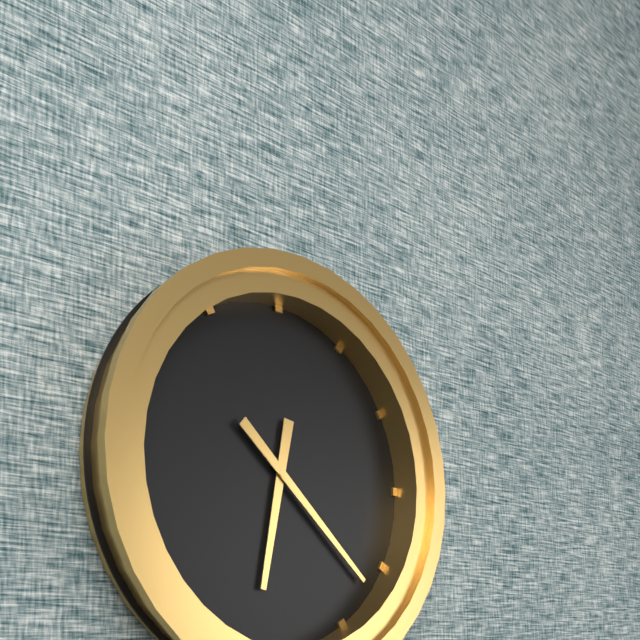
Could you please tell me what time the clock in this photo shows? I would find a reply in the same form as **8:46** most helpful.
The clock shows **6:22**
